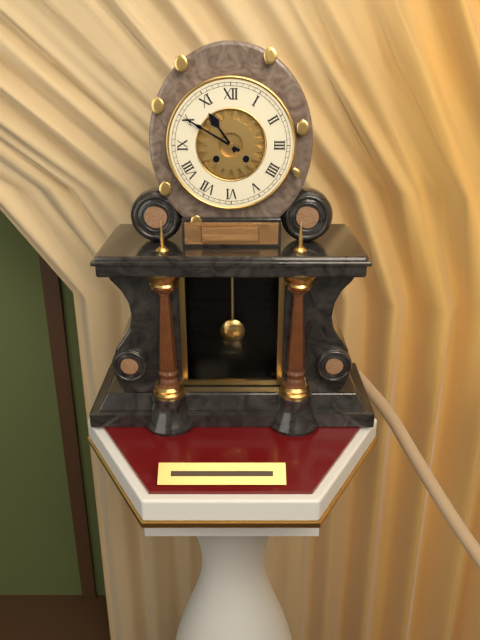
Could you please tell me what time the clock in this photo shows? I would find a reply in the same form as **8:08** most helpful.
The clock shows **10:50**
